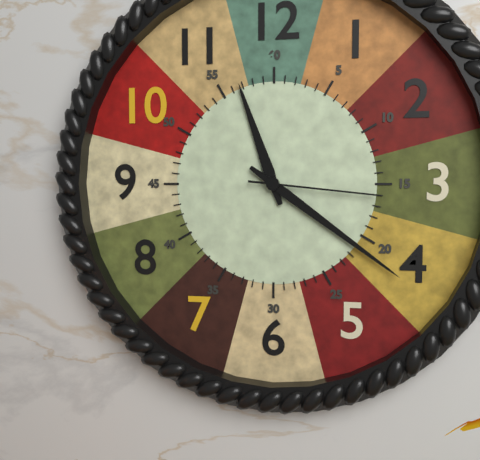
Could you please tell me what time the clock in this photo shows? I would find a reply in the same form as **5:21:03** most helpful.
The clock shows **11:21:16**
